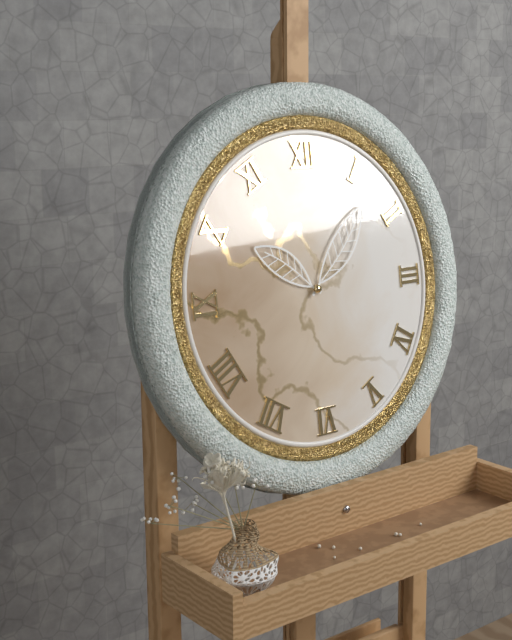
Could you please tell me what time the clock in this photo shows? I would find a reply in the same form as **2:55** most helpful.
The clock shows **10:07**
